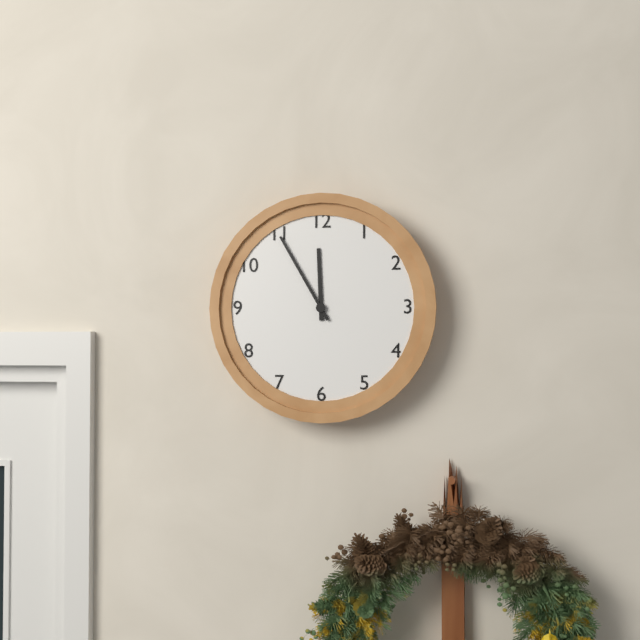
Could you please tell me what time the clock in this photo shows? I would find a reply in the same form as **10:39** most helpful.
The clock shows **11:55**
